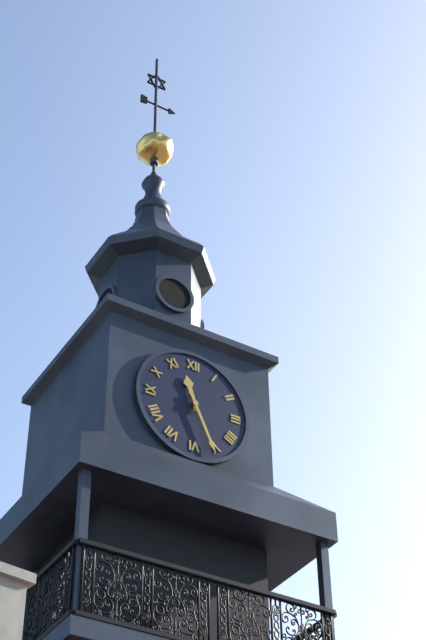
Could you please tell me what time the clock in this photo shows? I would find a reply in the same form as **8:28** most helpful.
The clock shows **11:26**
